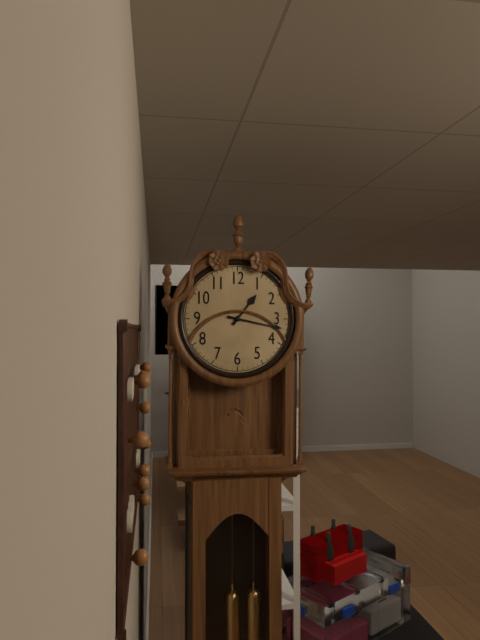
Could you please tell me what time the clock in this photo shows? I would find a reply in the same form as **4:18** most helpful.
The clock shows **1:17**
